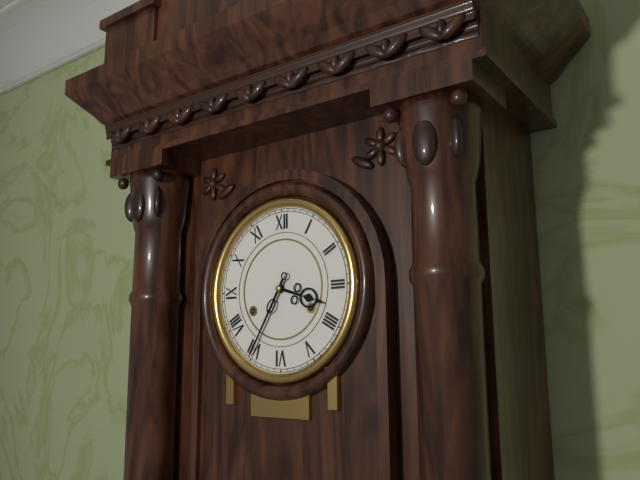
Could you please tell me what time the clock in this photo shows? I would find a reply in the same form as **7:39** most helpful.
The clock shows **3:35**
